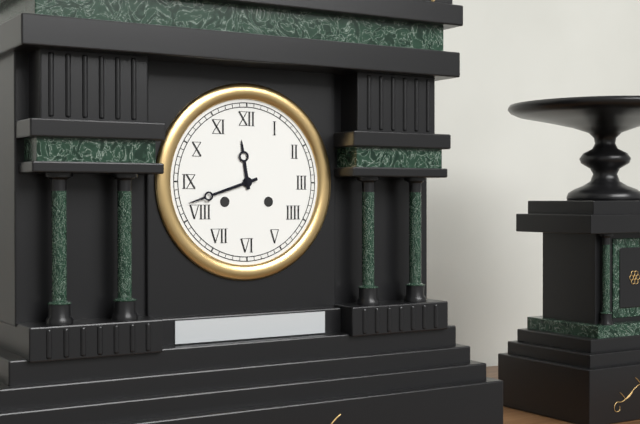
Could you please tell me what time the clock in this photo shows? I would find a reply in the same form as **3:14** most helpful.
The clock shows **11:42**
